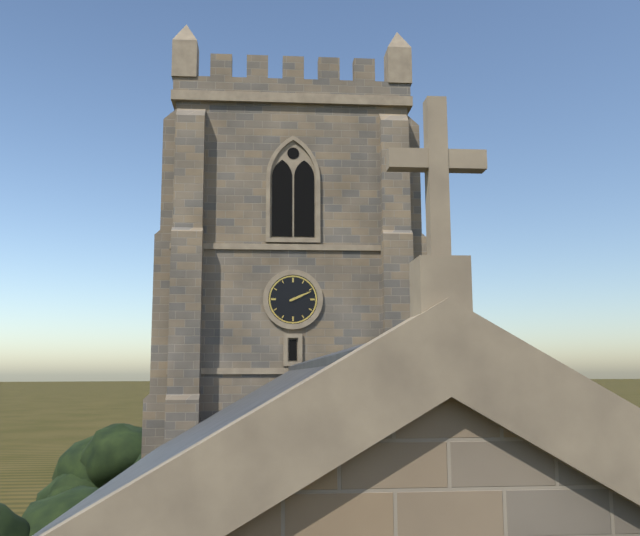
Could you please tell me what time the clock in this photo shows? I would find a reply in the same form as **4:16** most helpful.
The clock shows **2:11**
